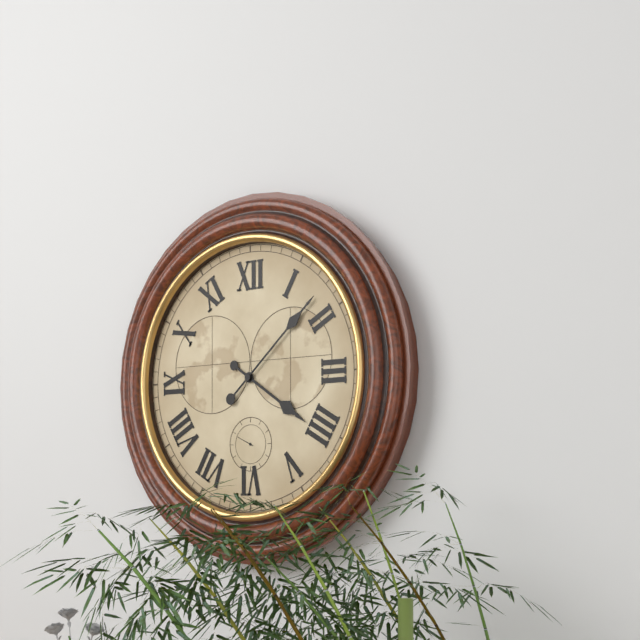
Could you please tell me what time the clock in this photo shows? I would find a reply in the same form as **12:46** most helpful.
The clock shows **4:08**
